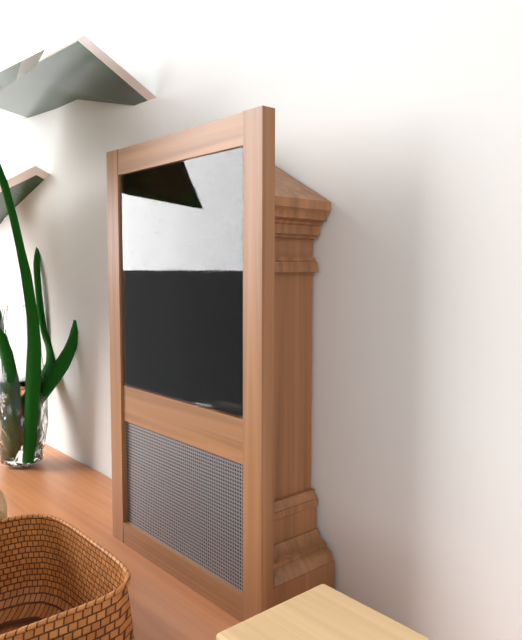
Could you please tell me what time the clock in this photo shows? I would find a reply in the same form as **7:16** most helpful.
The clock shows **5:45**
